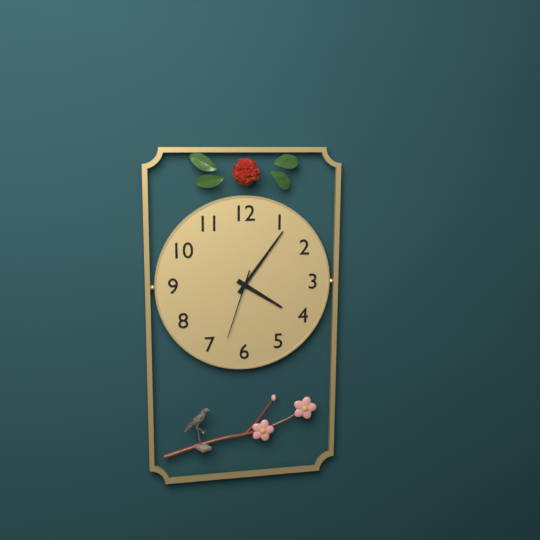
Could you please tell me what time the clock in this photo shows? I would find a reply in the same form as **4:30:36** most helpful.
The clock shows **4:06:33**
